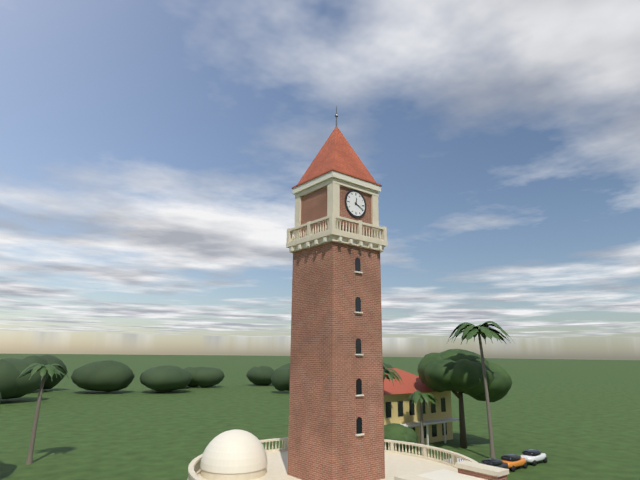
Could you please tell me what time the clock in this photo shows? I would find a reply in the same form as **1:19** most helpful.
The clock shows **12:19**
